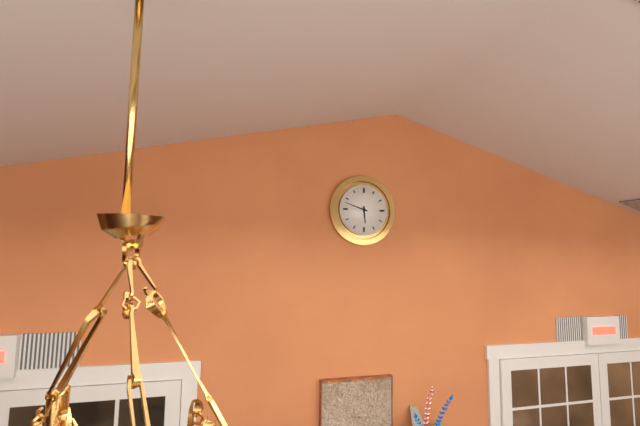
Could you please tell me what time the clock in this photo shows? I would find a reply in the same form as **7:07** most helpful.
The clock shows **5:48**
